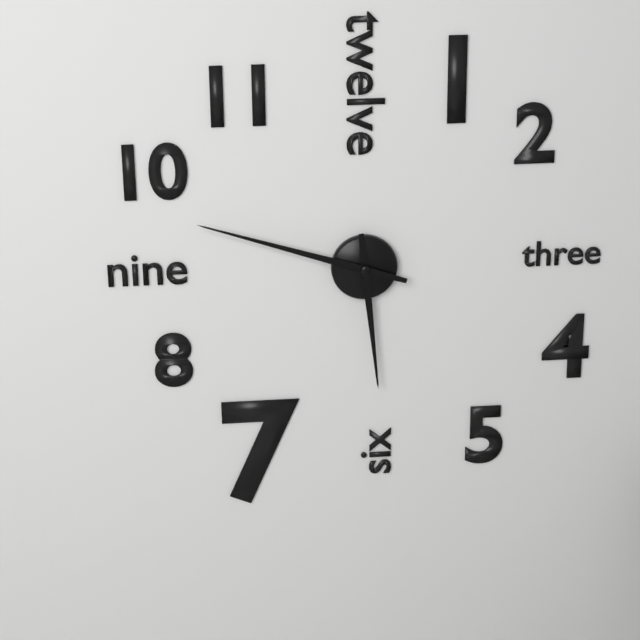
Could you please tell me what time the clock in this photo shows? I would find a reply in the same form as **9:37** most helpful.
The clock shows **5:48**
